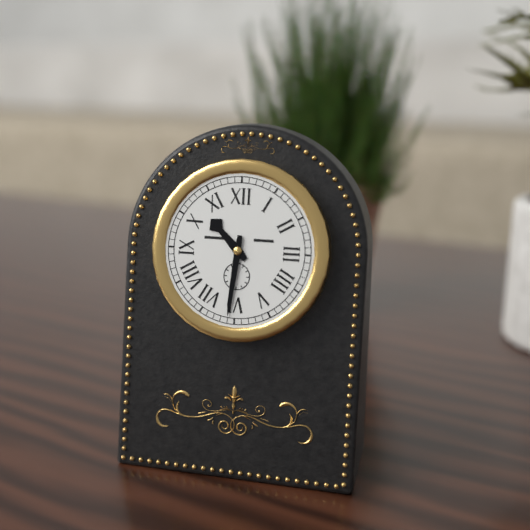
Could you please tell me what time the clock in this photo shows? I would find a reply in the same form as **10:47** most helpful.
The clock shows **10:31**
